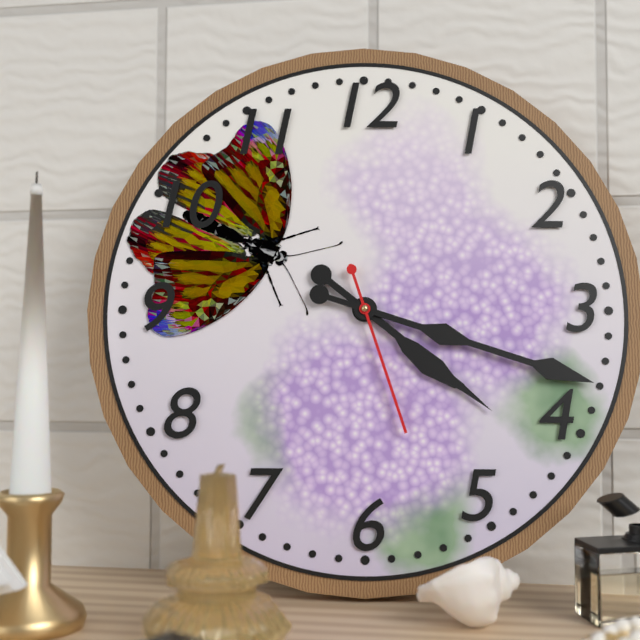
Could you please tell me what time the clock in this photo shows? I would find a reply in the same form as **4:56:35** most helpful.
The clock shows **4:18:27**
